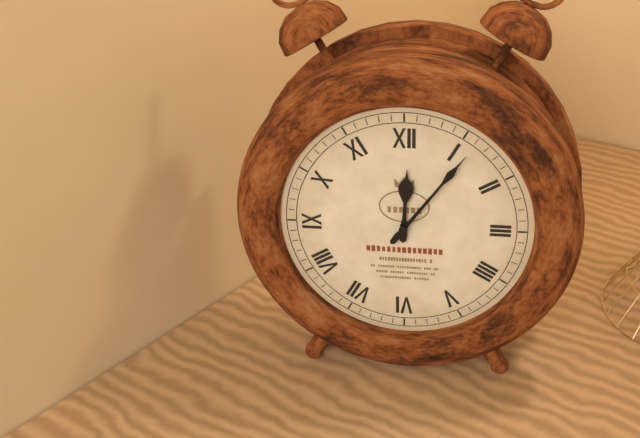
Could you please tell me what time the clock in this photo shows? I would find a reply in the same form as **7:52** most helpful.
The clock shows **12:06**
